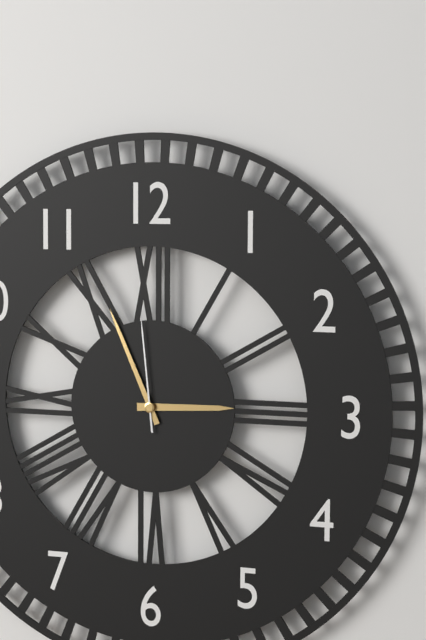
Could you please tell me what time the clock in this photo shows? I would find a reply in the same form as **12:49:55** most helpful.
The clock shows **2:56:59**
